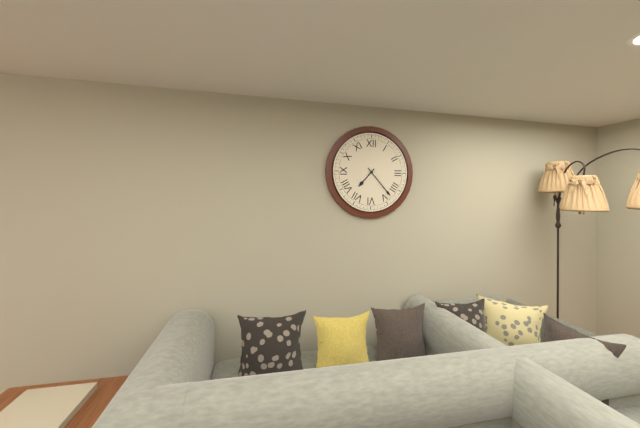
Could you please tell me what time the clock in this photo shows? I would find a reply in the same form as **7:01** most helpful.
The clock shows **7:23**
